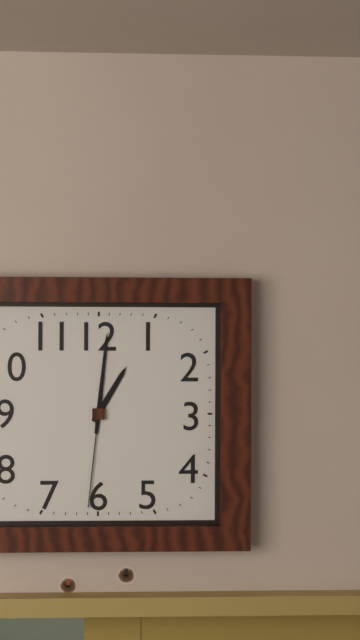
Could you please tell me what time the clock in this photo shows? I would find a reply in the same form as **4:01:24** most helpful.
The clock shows **1:01:31**
